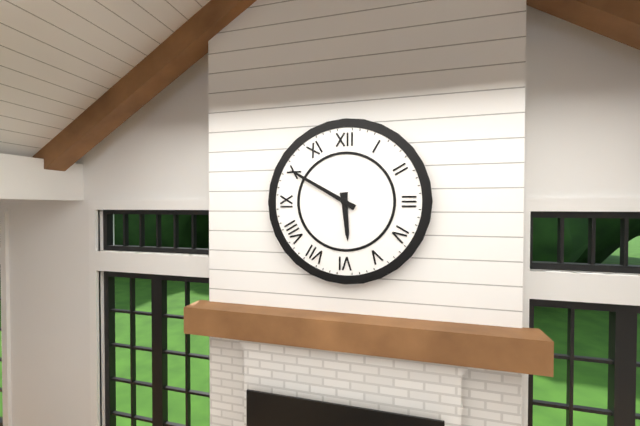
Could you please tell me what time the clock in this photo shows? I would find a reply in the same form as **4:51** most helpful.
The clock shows **5:50**
